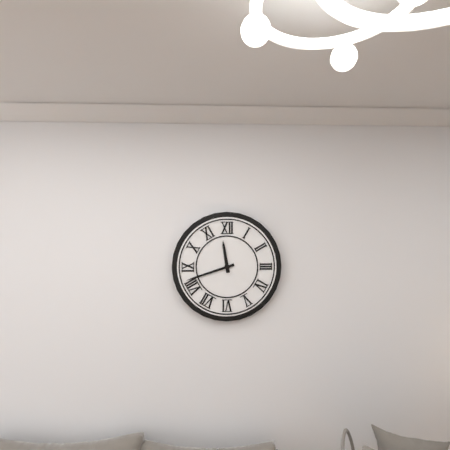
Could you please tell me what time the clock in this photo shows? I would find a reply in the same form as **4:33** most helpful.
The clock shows **11:42**
